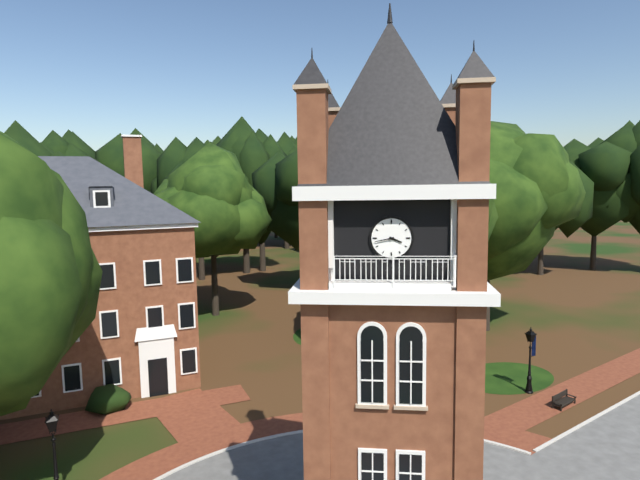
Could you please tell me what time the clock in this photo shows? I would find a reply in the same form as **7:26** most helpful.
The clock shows **3:43**
